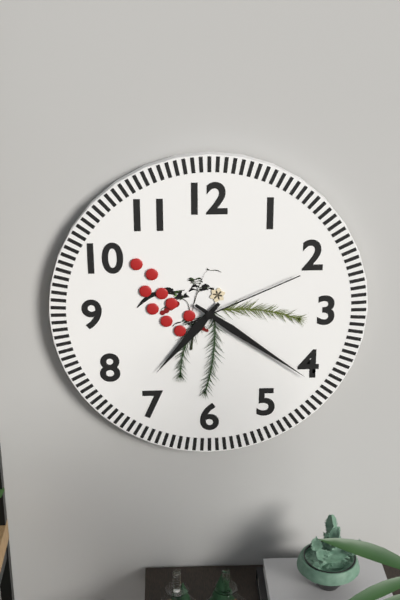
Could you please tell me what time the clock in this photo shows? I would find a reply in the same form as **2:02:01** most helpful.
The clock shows **7:21:11**
